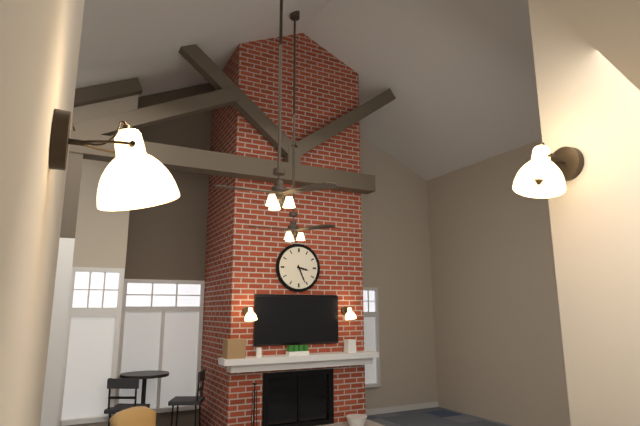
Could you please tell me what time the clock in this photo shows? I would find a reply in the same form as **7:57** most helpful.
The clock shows **3:26**
